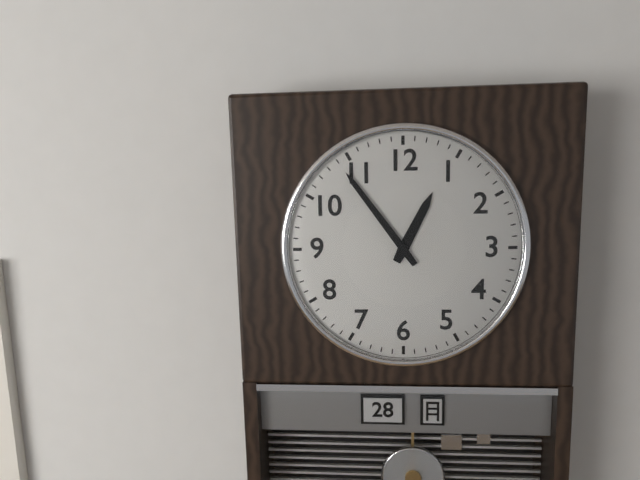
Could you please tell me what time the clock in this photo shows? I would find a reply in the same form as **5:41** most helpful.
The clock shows **12:54**
